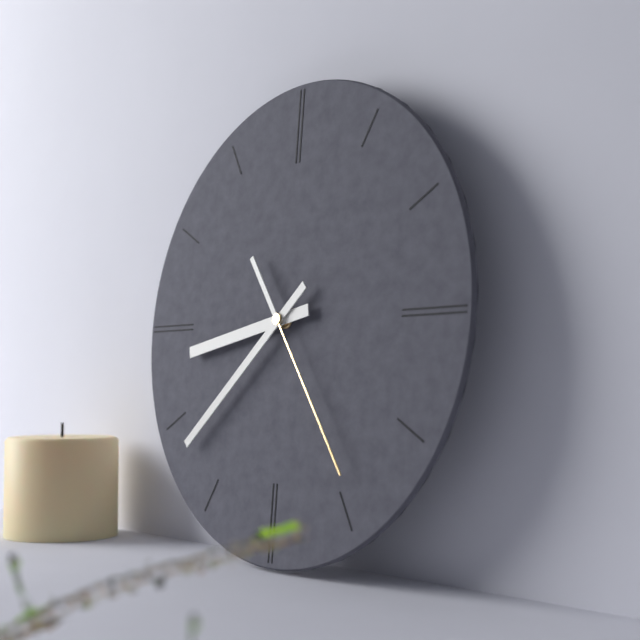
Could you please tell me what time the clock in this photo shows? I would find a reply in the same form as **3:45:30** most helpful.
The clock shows **8:38:24**
